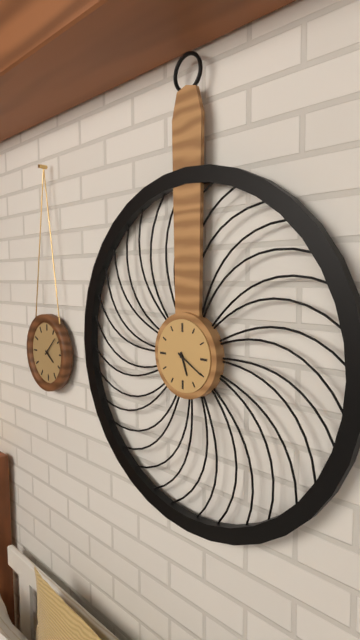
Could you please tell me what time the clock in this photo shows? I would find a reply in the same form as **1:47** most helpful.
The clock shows **5:20**
